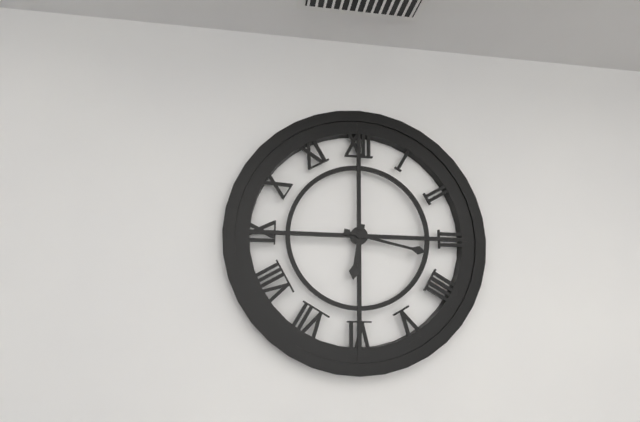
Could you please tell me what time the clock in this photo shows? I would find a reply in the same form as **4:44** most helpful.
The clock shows **6:17**
